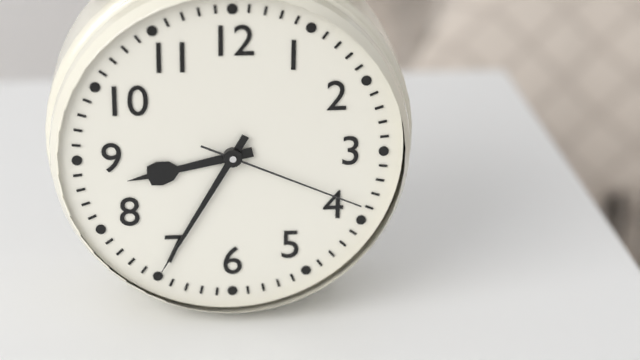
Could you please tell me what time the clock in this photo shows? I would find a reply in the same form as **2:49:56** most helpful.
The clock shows **8:35:19**
